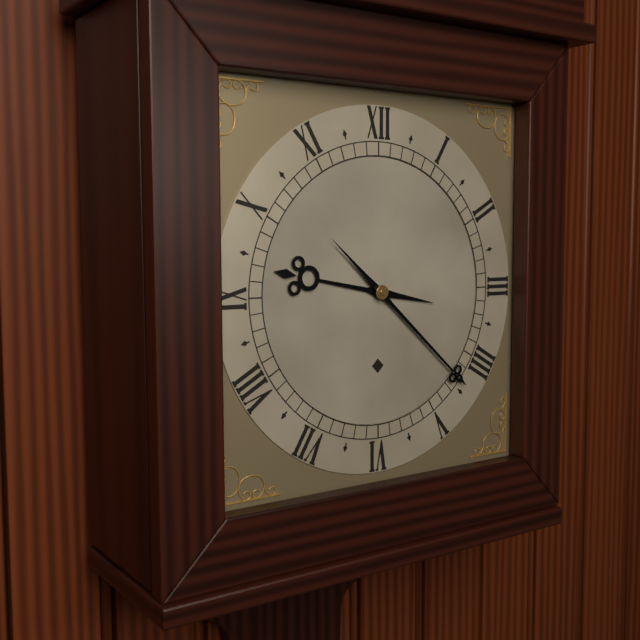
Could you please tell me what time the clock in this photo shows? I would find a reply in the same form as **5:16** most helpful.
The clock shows **9:22**
